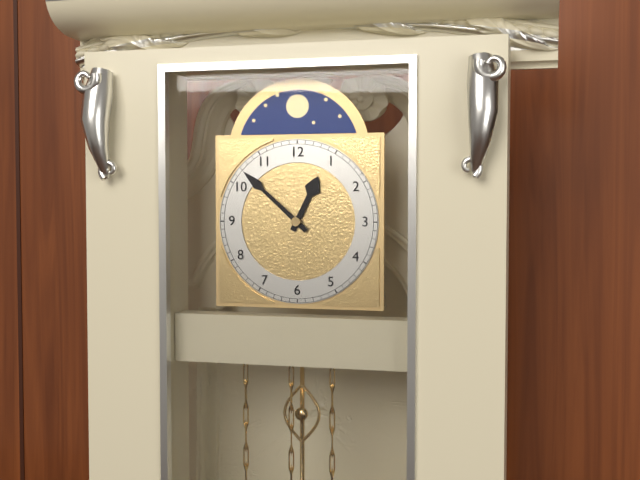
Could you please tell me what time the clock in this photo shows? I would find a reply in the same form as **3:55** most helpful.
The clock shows **12:52**
